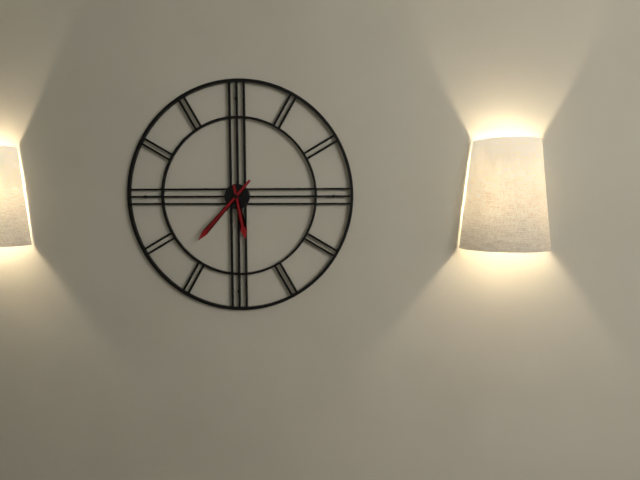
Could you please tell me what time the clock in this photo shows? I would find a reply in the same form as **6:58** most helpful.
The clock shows **5:37**
